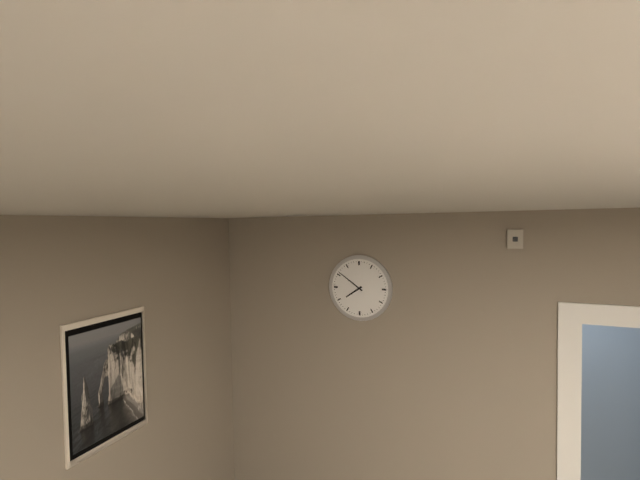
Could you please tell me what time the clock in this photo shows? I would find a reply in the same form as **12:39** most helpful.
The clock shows **7:51**
